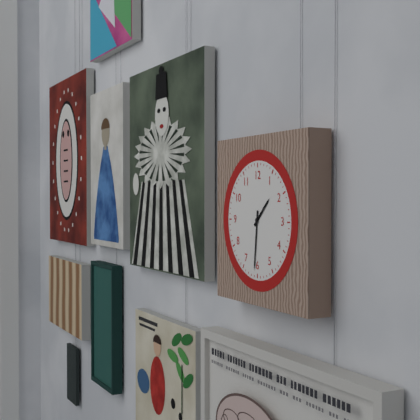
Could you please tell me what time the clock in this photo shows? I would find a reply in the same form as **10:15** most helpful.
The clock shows **1:31**
